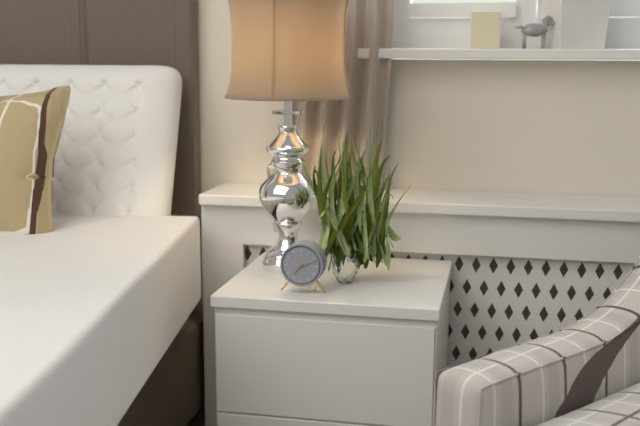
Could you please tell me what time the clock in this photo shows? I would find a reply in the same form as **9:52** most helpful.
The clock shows **7:12**
